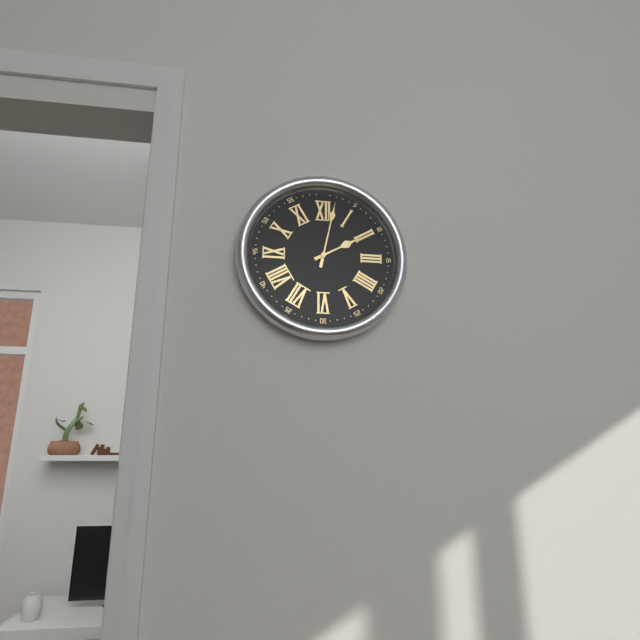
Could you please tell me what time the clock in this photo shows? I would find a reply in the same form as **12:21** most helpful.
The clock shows **2:02**
